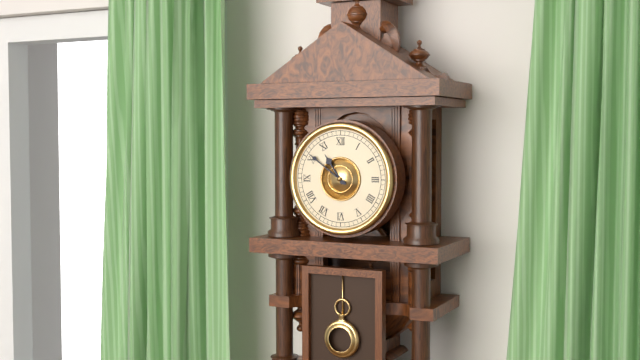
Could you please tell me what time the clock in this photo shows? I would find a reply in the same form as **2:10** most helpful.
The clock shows **10:51**
